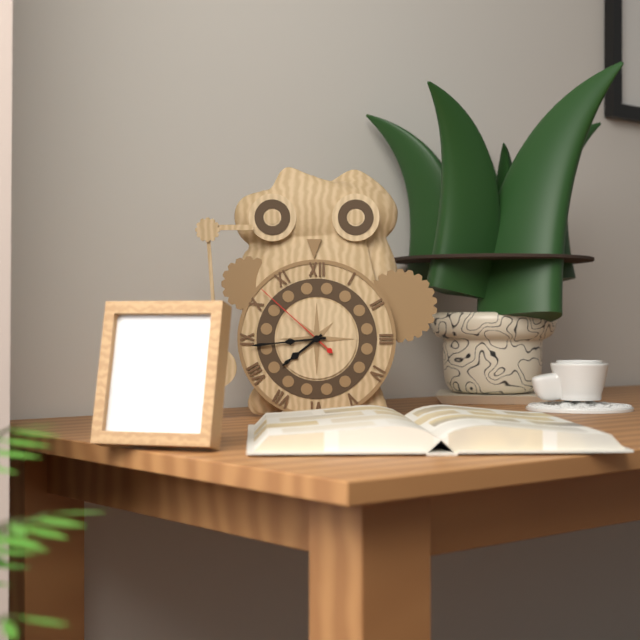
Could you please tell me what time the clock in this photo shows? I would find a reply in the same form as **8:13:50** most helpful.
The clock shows **7:44:52**
